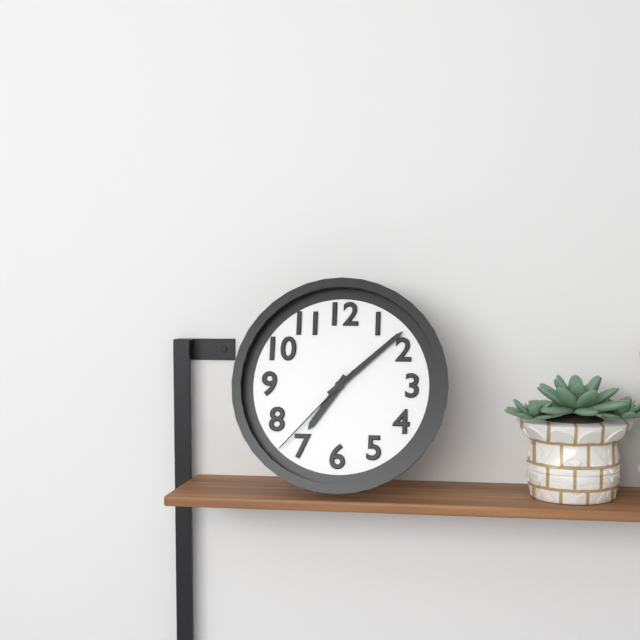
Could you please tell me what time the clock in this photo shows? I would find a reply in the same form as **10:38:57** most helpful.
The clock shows **7:08:37**
